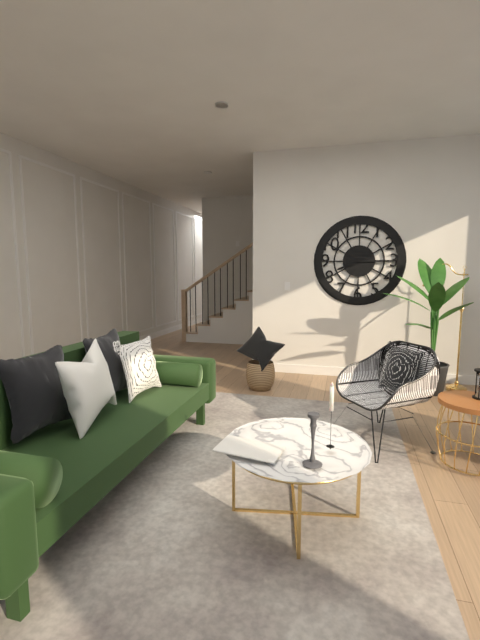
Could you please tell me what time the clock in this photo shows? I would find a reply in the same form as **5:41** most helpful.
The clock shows **8:15**
